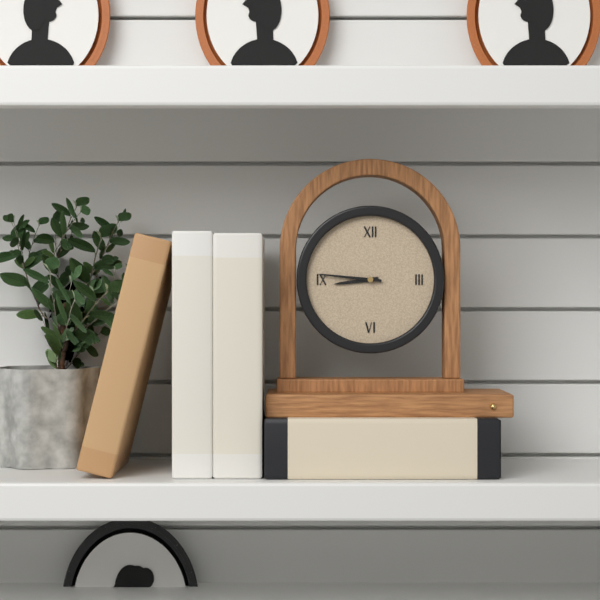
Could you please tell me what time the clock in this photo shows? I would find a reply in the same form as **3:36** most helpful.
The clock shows **8:46**
